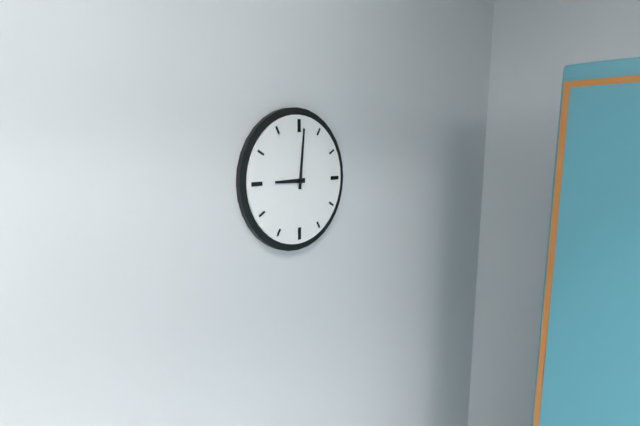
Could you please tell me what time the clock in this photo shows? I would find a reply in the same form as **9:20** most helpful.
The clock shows **9:01**
